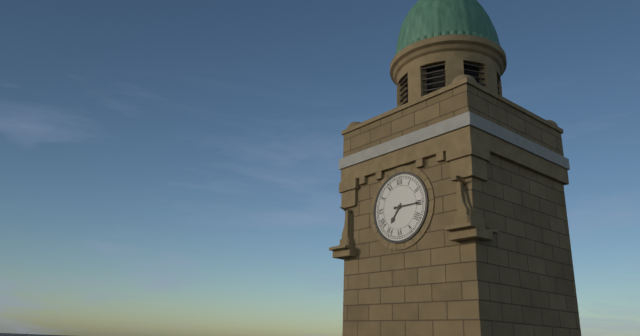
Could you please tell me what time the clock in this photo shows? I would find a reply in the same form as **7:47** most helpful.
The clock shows **7:15**
